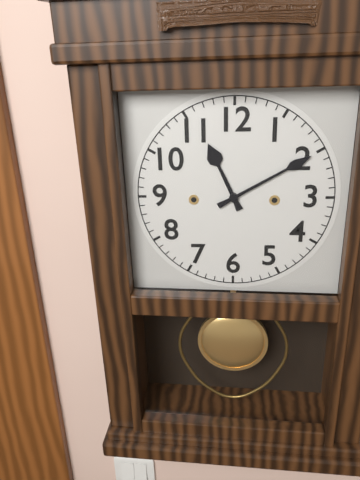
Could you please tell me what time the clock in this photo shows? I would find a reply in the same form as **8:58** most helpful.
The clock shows **11:10**
